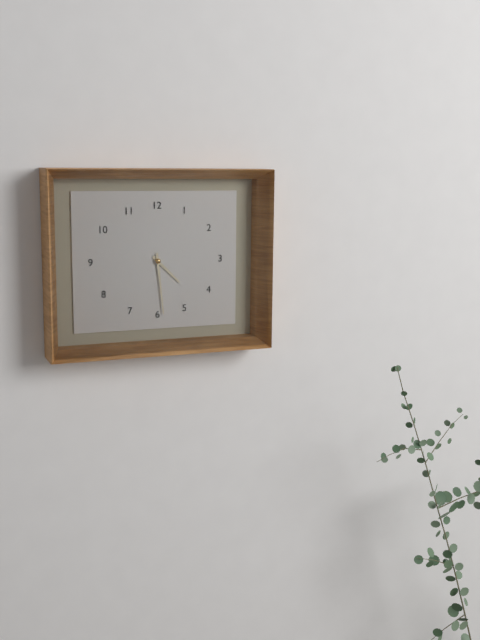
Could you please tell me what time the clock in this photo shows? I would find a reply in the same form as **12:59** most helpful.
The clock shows **4:29**
